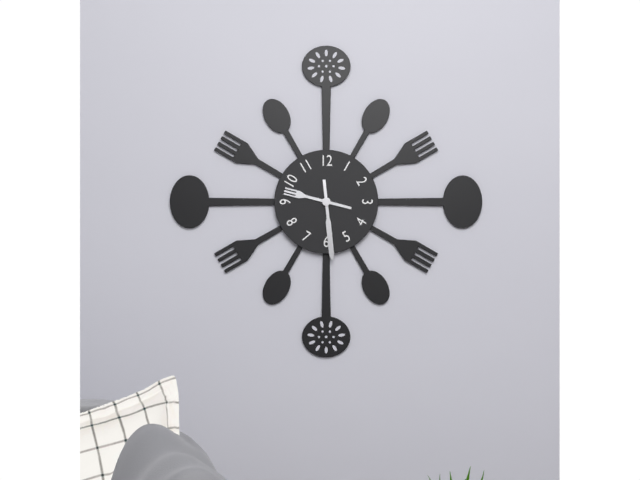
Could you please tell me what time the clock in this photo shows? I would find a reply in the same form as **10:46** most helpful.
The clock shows **9:29**
